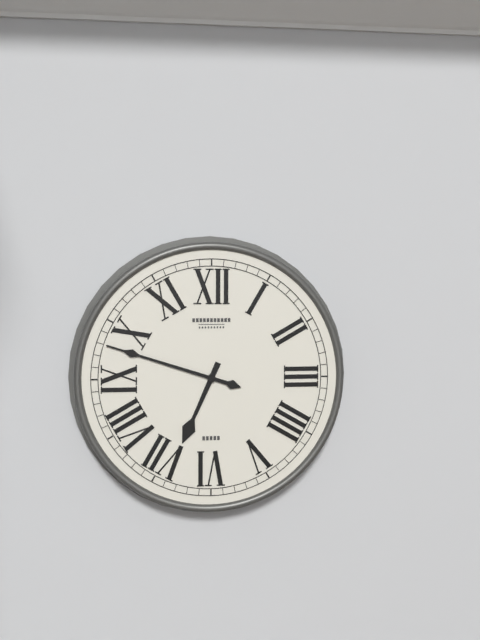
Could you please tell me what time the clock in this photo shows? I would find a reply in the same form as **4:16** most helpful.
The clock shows **6:48**
